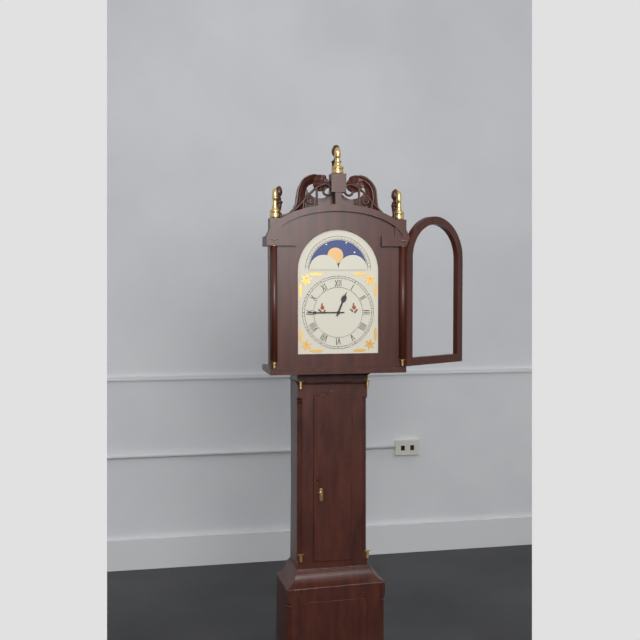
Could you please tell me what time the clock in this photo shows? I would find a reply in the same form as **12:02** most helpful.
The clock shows **12:45**
